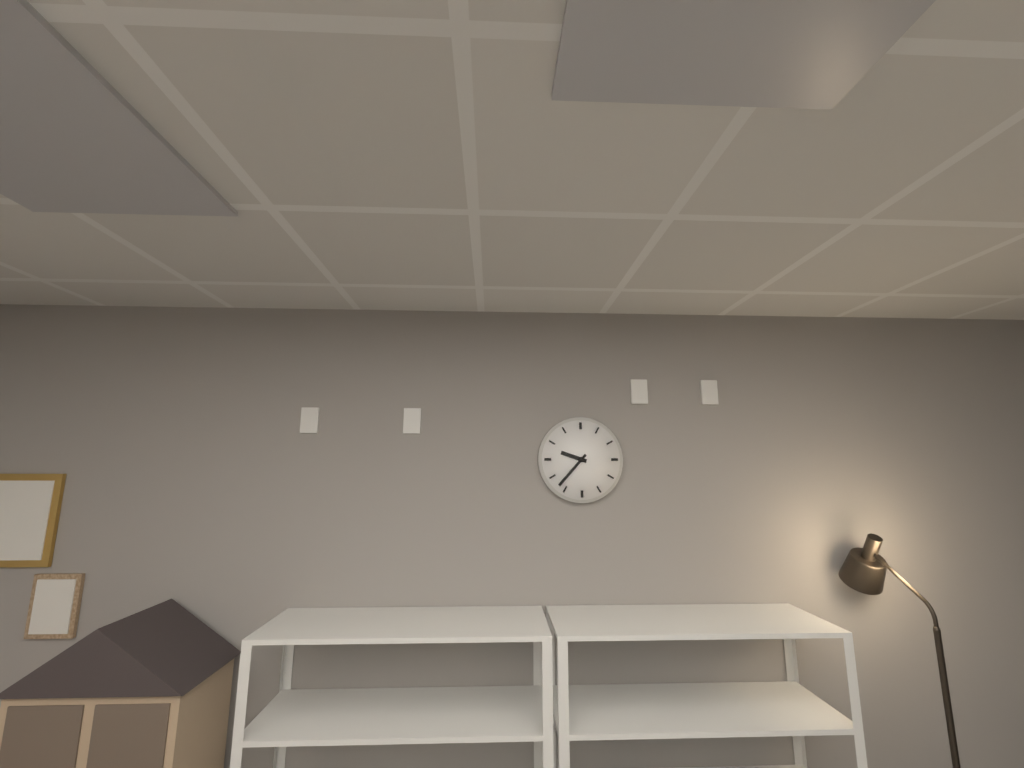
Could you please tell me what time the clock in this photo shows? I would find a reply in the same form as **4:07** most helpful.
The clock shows **9:37**
